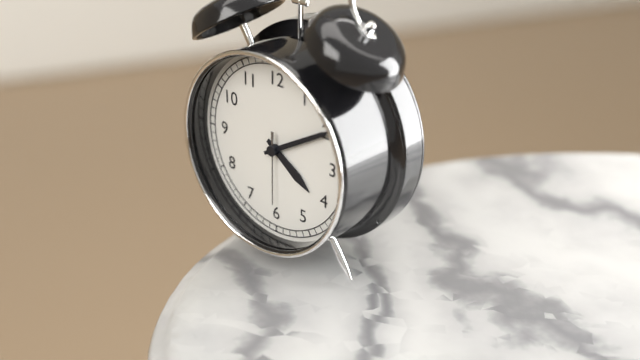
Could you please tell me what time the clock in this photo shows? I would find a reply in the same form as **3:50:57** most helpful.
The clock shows **4:10:30**
